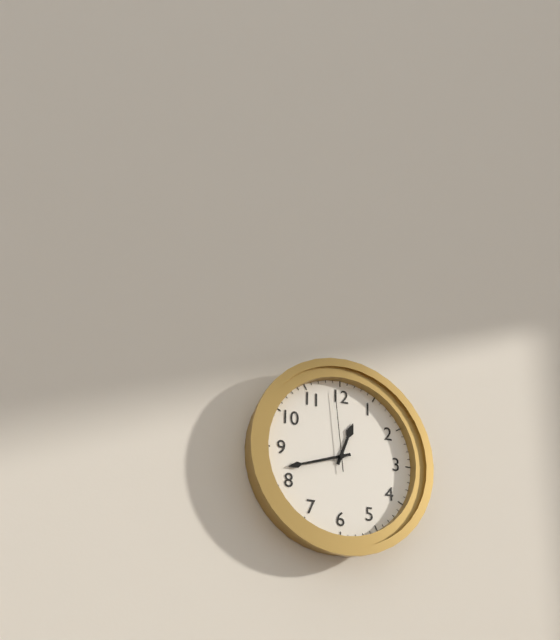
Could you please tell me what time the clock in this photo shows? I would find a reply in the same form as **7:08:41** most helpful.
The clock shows **12:42:59**
